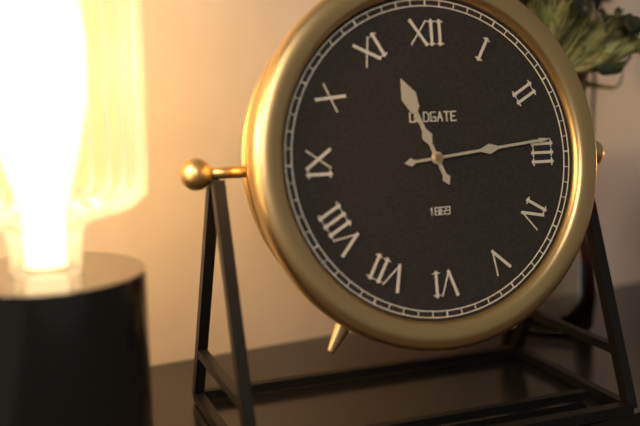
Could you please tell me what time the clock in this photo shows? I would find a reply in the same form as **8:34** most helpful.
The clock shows **11:14**
